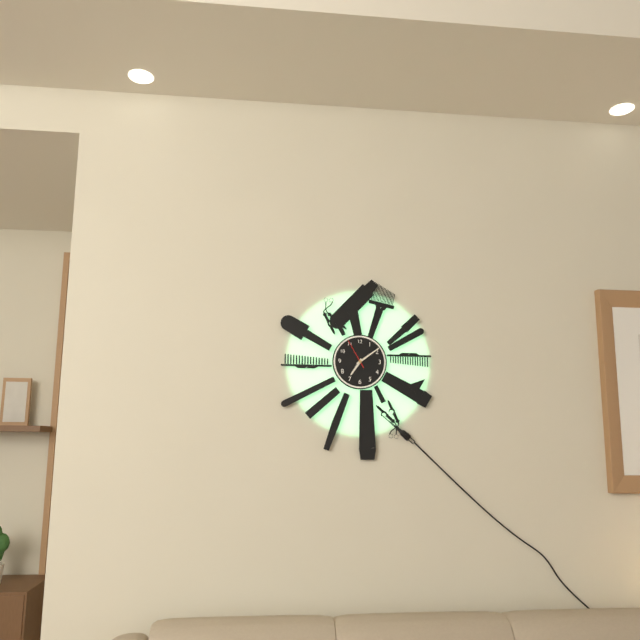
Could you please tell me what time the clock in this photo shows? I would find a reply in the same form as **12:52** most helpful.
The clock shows **7:09**
